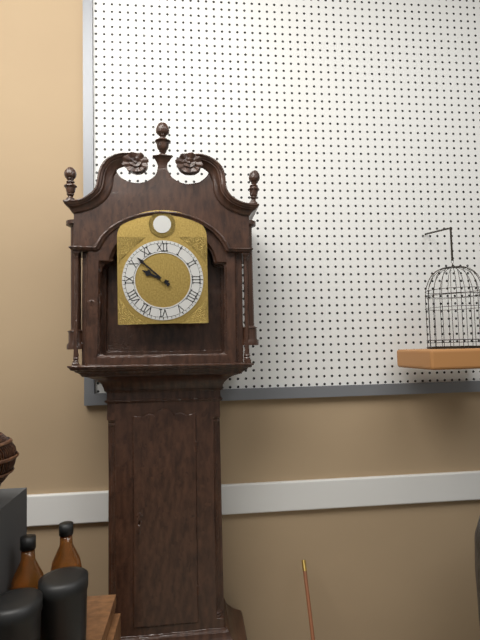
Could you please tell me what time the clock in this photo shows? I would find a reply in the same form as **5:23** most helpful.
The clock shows **9:52**
